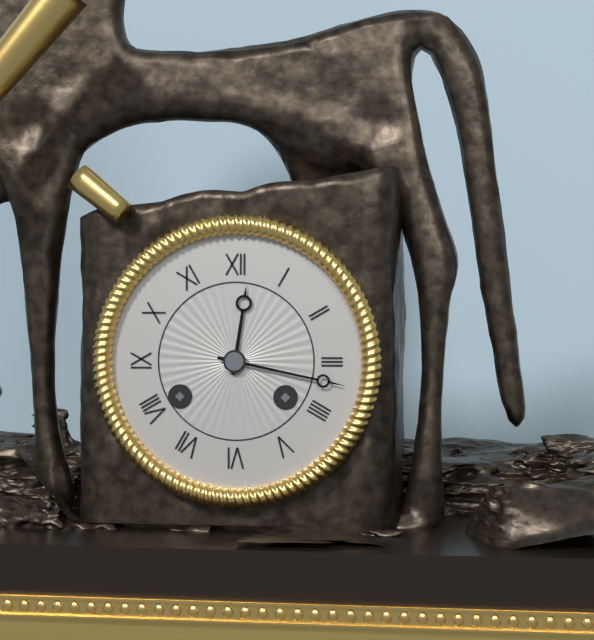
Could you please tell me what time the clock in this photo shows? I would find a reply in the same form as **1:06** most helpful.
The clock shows **12:17**
